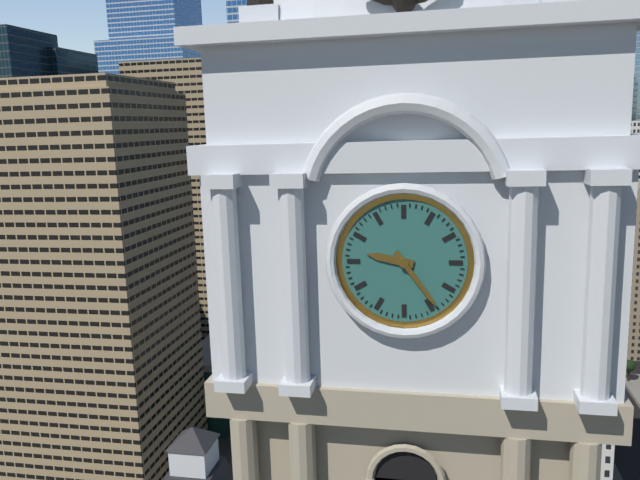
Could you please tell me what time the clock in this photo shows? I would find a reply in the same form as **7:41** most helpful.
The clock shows **9:24**
